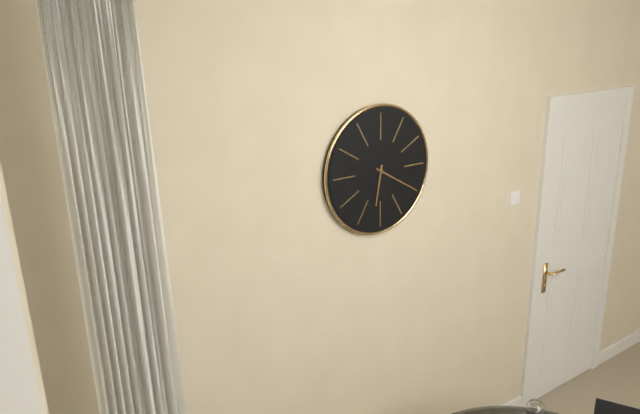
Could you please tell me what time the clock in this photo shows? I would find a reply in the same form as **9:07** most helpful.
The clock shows **6:20**
